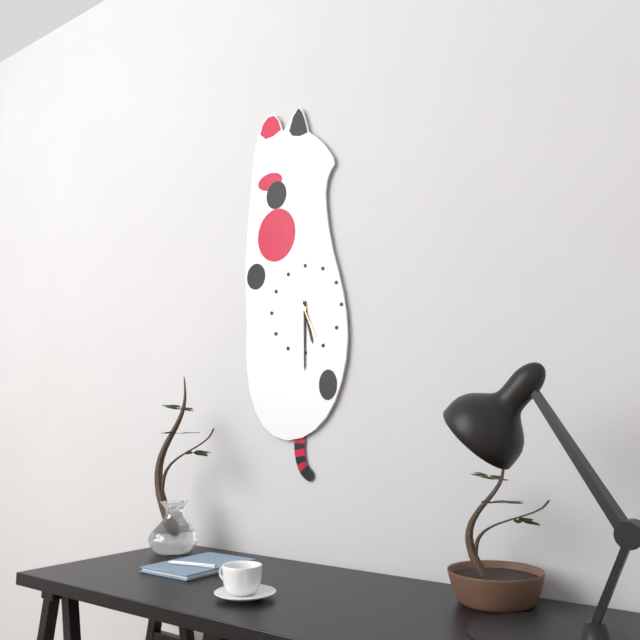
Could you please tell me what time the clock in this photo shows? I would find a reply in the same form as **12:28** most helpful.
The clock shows **5:30**
